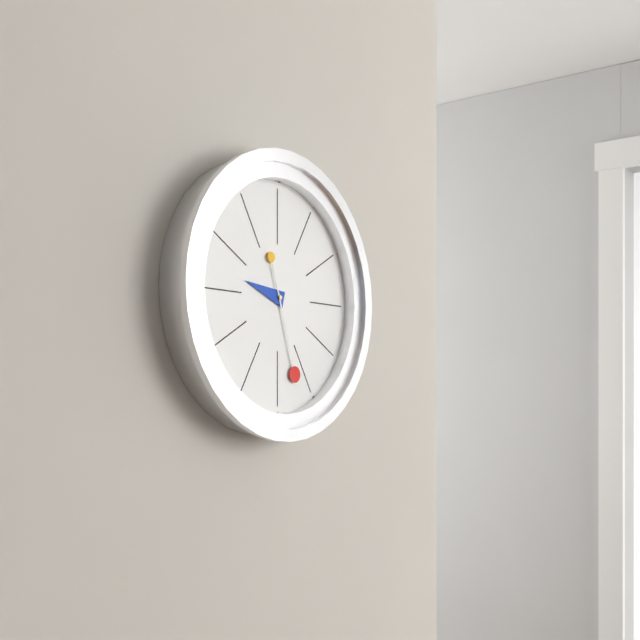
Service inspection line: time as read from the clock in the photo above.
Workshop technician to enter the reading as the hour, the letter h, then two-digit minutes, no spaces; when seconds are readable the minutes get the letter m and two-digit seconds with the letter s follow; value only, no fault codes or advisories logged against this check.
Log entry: 9h27
